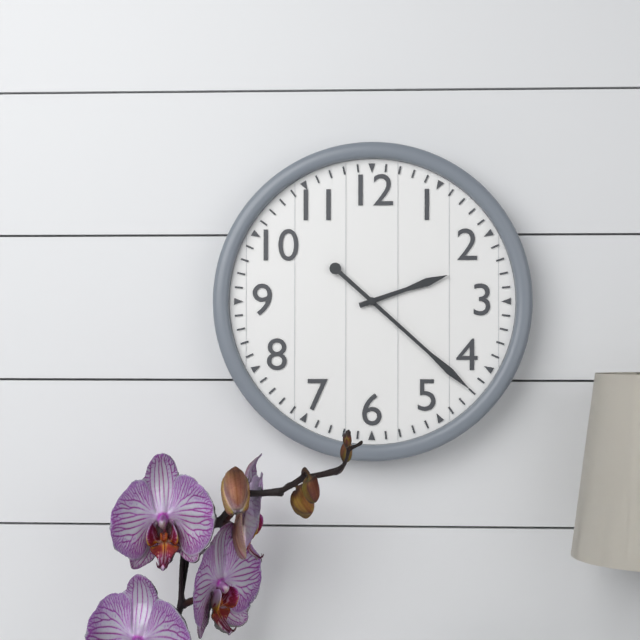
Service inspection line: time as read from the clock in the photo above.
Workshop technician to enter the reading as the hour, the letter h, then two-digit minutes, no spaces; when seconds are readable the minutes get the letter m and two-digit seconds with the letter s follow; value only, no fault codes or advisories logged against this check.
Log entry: 2h22
